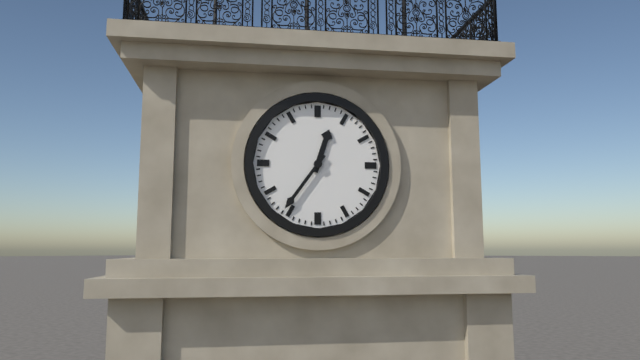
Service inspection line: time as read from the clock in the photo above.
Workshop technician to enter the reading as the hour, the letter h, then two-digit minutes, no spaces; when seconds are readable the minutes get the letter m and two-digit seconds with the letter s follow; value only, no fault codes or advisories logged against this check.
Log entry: 12h36
